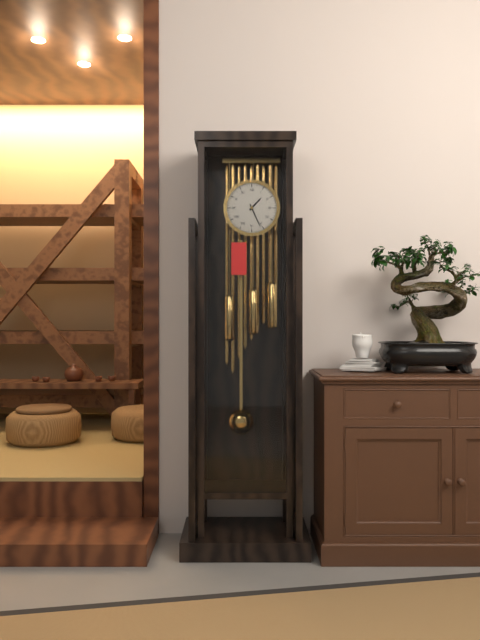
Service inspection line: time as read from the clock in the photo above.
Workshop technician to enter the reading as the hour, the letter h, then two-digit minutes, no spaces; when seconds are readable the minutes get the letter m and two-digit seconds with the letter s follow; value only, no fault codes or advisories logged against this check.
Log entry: 1h26
